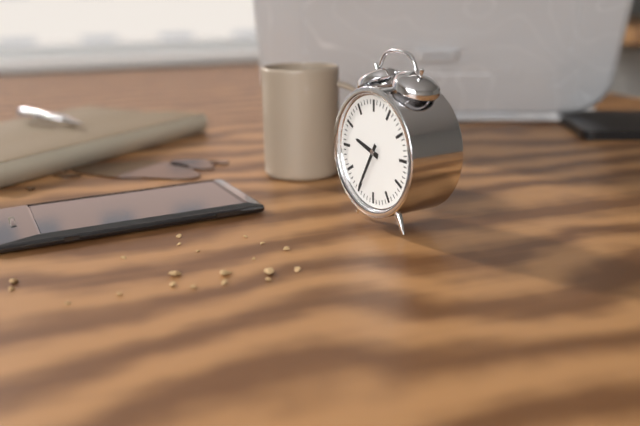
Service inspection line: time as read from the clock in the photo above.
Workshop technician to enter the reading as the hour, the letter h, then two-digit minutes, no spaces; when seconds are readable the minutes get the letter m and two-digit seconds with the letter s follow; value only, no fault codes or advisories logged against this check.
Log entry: 9h35
